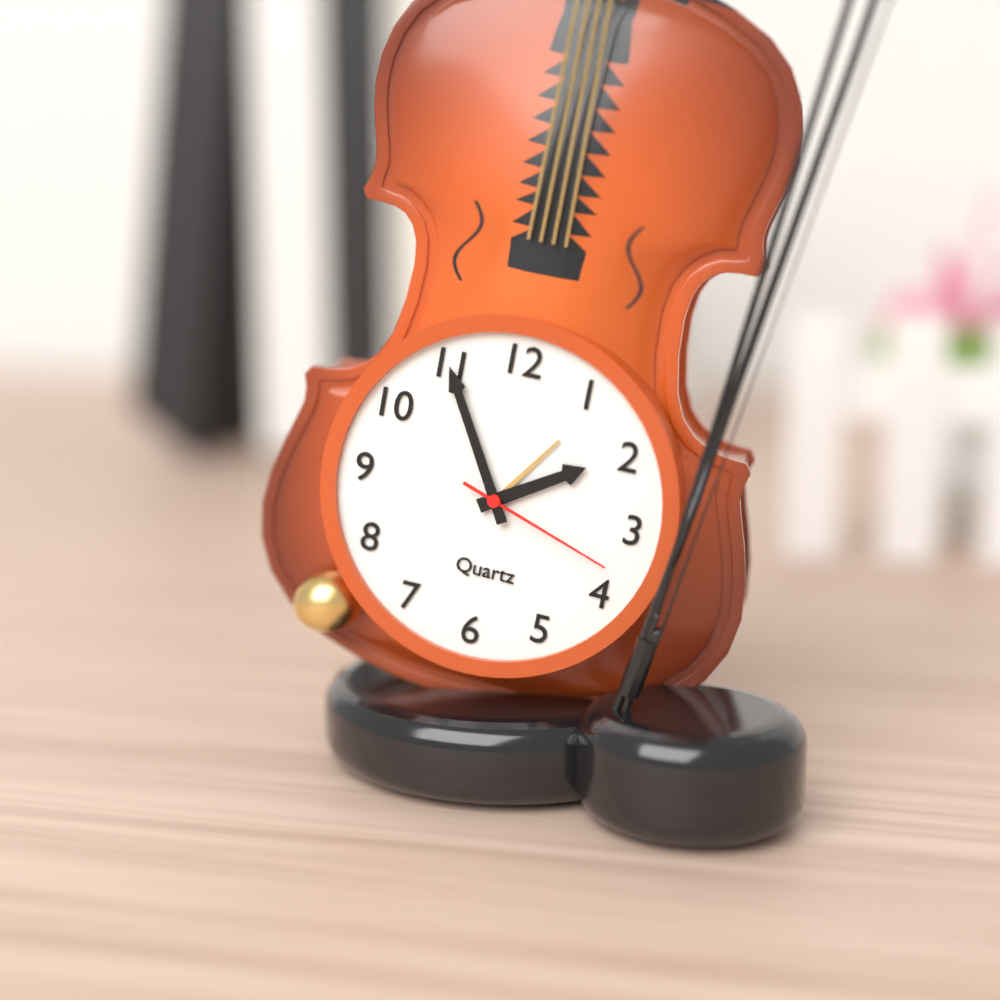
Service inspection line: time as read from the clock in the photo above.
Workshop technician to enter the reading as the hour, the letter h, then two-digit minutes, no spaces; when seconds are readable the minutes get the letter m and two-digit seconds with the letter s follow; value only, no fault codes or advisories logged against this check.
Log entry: 1h55m18s
